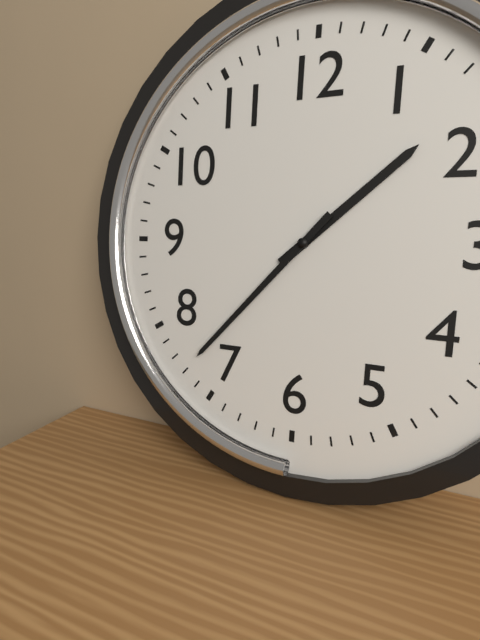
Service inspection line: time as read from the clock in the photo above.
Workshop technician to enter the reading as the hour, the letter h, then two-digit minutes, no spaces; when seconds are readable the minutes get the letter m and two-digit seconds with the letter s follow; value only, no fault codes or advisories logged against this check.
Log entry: 1h37
